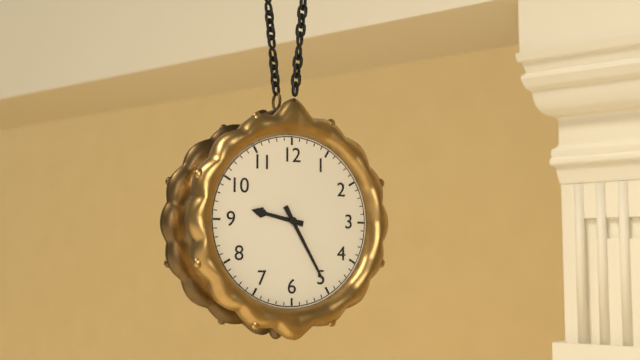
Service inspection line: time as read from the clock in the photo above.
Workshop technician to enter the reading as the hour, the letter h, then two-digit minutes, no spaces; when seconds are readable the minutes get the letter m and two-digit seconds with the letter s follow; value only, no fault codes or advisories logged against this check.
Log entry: 9h25
